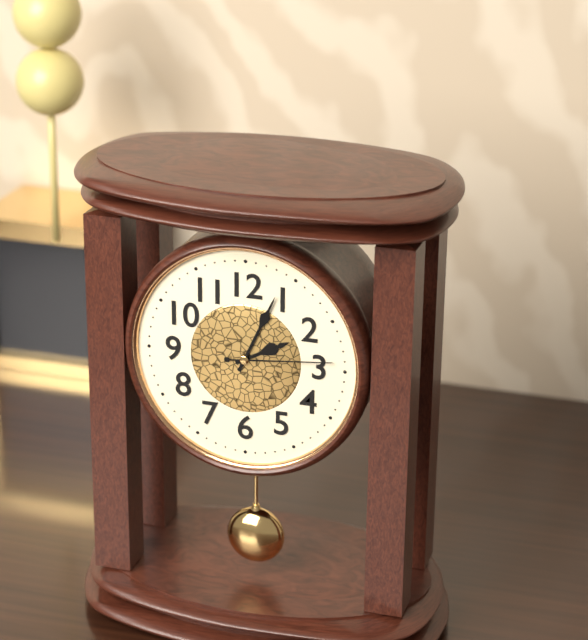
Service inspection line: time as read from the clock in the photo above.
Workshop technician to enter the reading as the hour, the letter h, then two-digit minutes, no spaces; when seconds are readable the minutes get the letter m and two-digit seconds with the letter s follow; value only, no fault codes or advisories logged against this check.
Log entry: 2h04m14s
